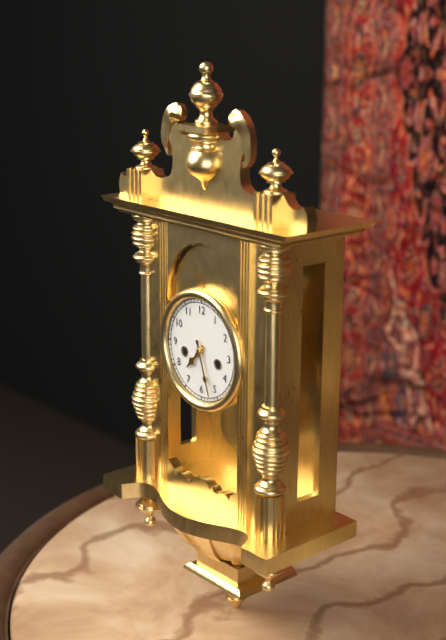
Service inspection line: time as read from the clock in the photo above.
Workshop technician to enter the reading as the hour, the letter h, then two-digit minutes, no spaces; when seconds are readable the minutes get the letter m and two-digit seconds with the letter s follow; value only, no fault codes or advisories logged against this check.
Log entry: 7h27
